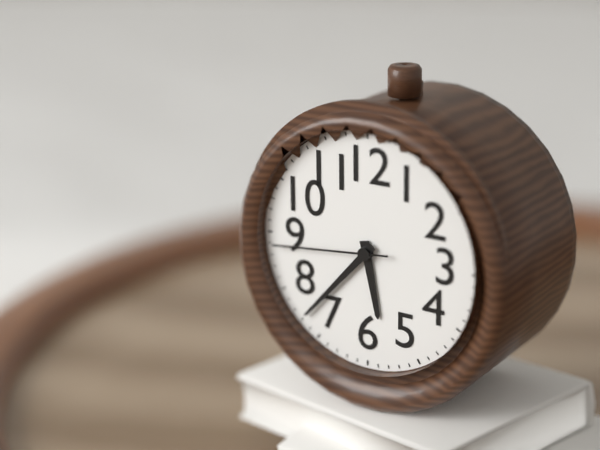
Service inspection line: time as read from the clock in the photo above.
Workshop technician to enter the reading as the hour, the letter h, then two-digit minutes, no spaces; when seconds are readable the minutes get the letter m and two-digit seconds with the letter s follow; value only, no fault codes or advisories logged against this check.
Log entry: 5h37m44s
